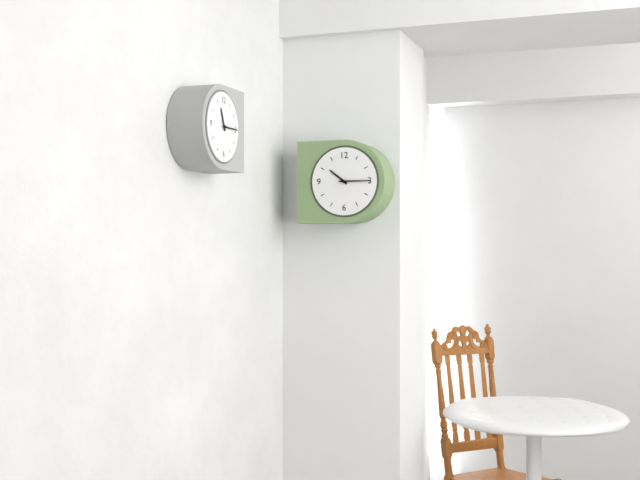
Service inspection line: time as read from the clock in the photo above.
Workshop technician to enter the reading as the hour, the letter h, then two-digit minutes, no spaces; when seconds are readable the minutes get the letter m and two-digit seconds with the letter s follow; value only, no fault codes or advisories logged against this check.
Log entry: 10h15
